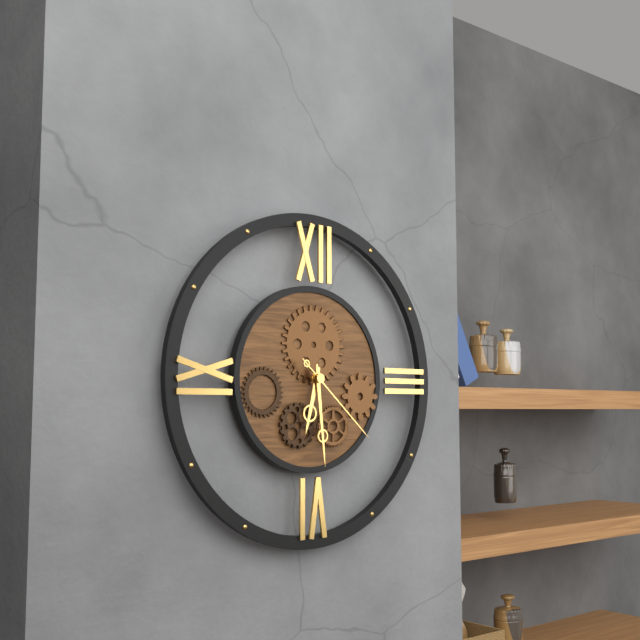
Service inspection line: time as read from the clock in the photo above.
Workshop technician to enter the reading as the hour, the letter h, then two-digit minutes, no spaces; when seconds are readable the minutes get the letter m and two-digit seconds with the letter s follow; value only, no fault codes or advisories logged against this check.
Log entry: 6h29m22s
